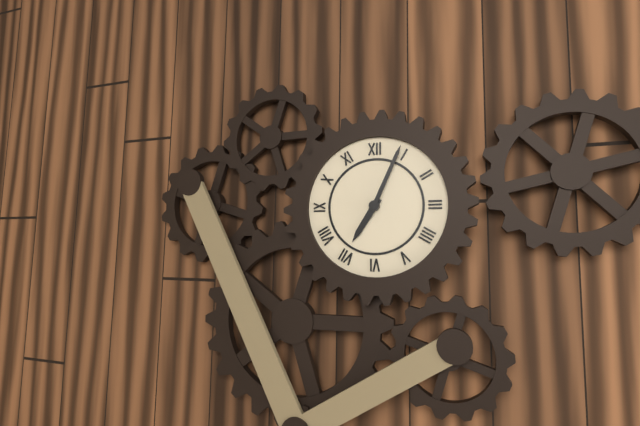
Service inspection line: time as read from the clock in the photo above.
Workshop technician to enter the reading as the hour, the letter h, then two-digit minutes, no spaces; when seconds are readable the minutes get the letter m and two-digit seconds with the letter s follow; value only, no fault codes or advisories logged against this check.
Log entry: 7h04
